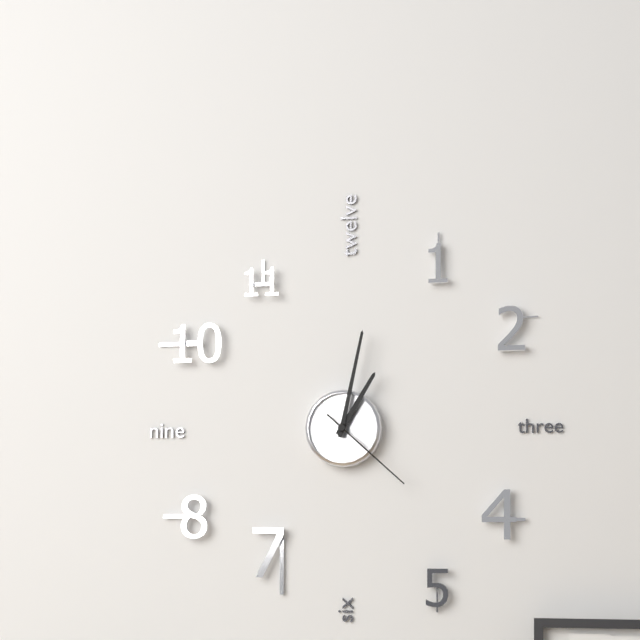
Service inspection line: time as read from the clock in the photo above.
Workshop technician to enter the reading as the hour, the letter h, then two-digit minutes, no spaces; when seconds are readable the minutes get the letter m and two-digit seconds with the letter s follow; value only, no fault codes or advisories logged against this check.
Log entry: 1h02m22s
